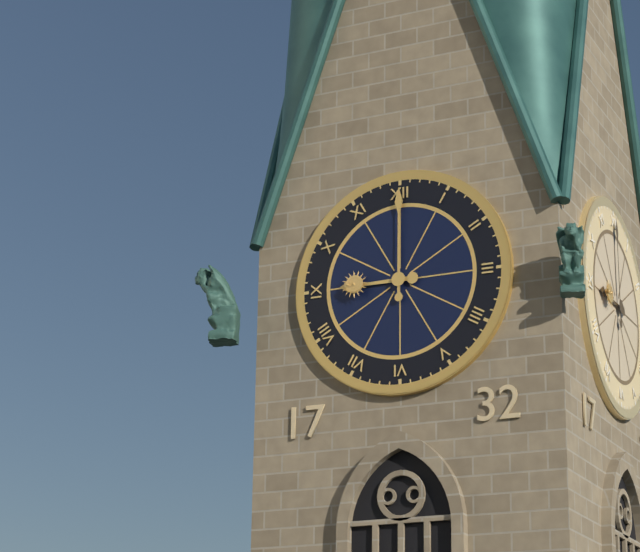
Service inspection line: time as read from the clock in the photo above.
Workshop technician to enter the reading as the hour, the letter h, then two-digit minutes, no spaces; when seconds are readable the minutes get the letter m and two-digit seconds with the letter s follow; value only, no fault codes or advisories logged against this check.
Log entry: 9h00
